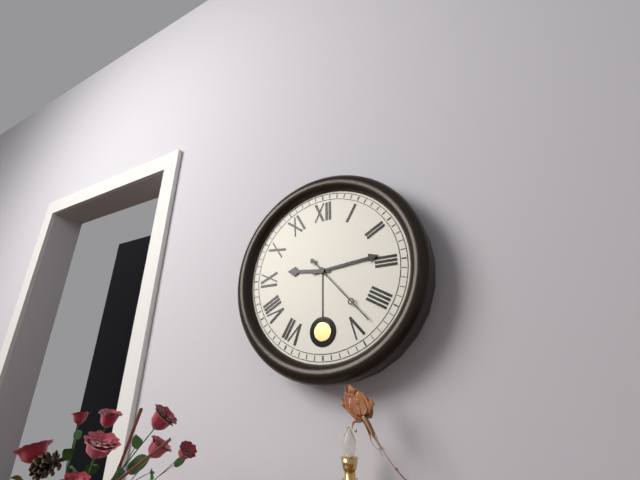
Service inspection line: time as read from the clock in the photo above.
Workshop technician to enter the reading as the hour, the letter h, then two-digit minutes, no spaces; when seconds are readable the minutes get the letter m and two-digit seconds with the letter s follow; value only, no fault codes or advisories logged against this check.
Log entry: 9h14m23s
